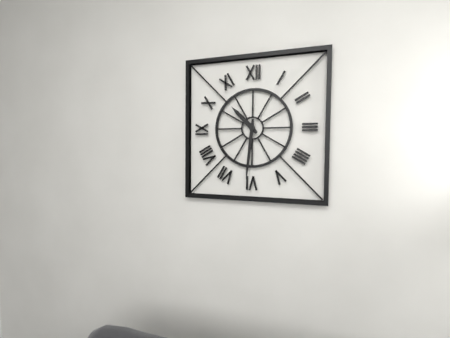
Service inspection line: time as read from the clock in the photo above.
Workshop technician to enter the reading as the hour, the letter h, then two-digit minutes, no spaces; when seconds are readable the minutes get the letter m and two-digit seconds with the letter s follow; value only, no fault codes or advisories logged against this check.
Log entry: 10h31
